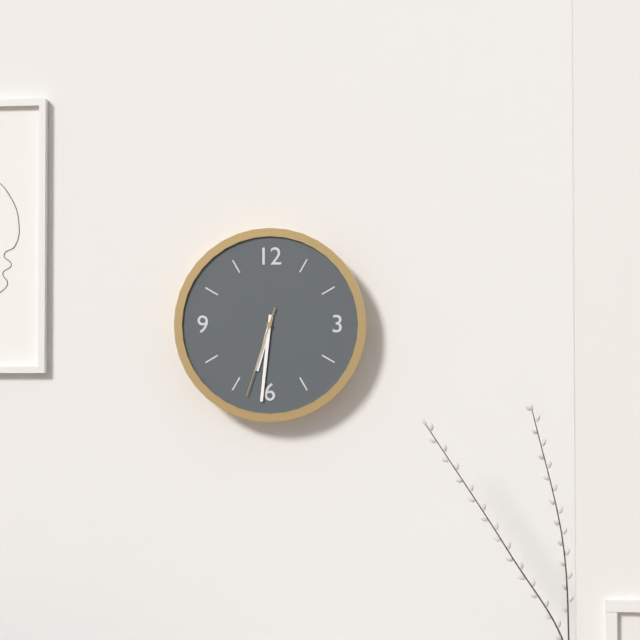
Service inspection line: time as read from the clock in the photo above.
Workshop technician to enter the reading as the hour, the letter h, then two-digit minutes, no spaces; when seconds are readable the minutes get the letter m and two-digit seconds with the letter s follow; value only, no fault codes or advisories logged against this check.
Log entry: 6h31m33s
